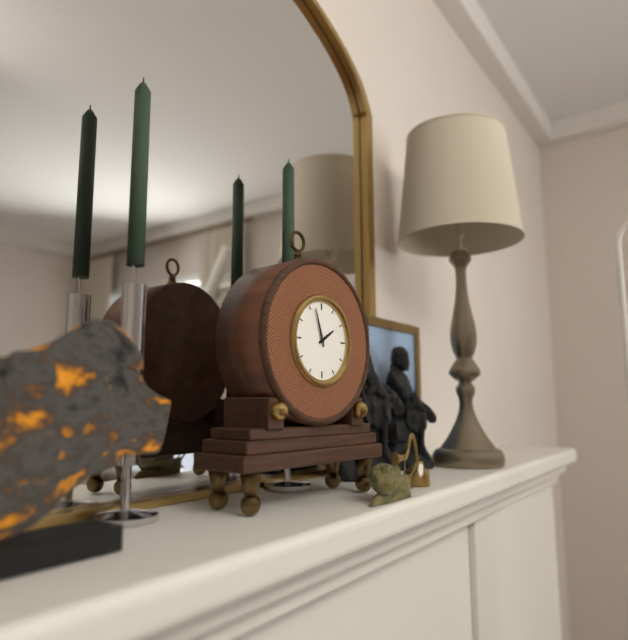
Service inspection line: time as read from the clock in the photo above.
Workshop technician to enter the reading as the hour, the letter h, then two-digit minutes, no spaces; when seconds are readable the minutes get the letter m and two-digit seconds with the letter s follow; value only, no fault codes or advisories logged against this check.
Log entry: 1h57
